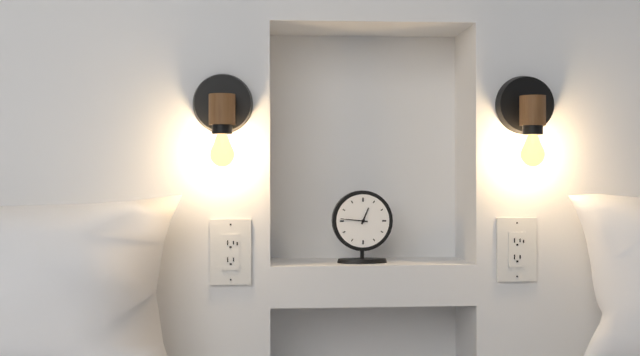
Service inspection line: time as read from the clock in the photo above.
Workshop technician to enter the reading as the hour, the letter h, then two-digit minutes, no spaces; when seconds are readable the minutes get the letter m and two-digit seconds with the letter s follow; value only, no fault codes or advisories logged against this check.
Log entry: 12h46
